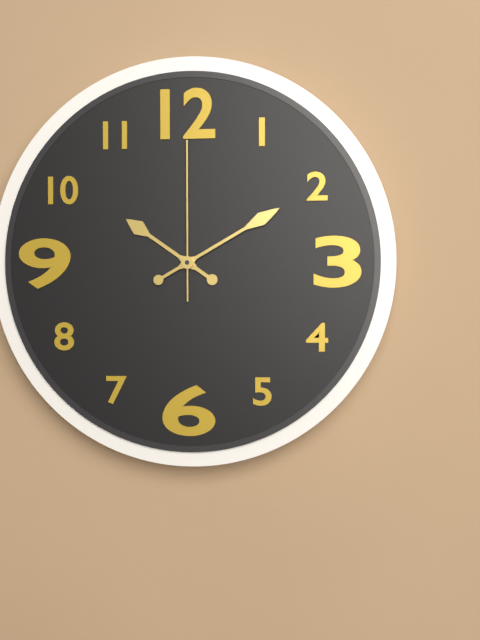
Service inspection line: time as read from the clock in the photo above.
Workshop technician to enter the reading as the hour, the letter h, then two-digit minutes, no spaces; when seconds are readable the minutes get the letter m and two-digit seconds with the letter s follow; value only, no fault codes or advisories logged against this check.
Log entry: 10h10m00s
